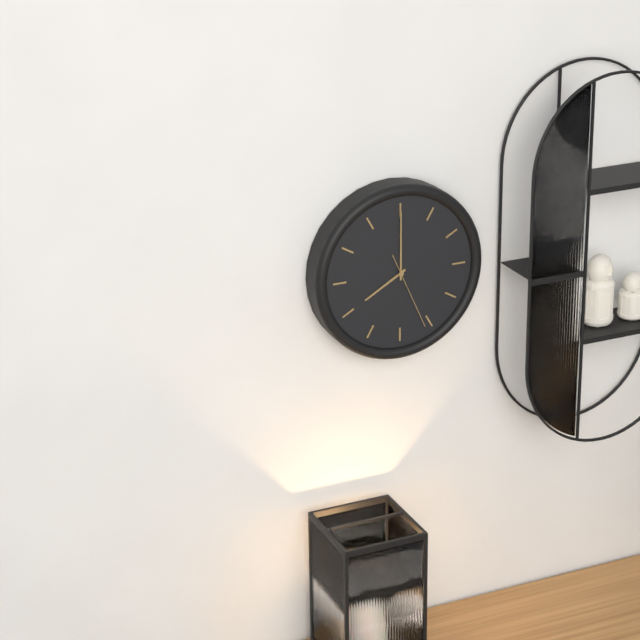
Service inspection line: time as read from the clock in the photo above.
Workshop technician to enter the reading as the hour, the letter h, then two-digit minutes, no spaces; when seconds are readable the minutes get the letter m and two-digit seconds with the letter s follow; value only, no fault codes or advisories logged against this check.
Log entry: 8h00m26s
